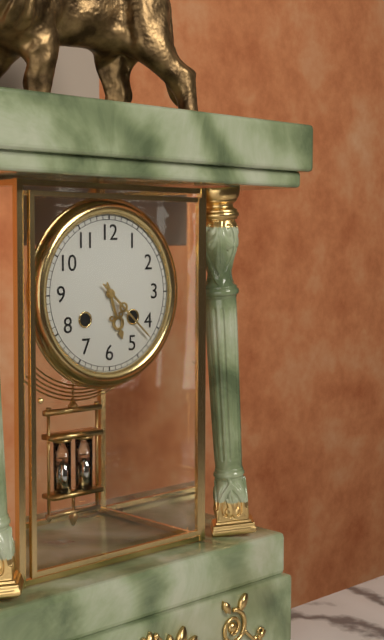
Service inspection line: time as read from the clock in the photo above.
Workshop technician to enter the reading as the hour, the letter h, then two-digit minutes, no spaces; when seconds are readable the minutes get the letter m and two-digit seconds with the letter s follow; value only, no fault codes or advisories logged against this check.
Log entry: 5h22
